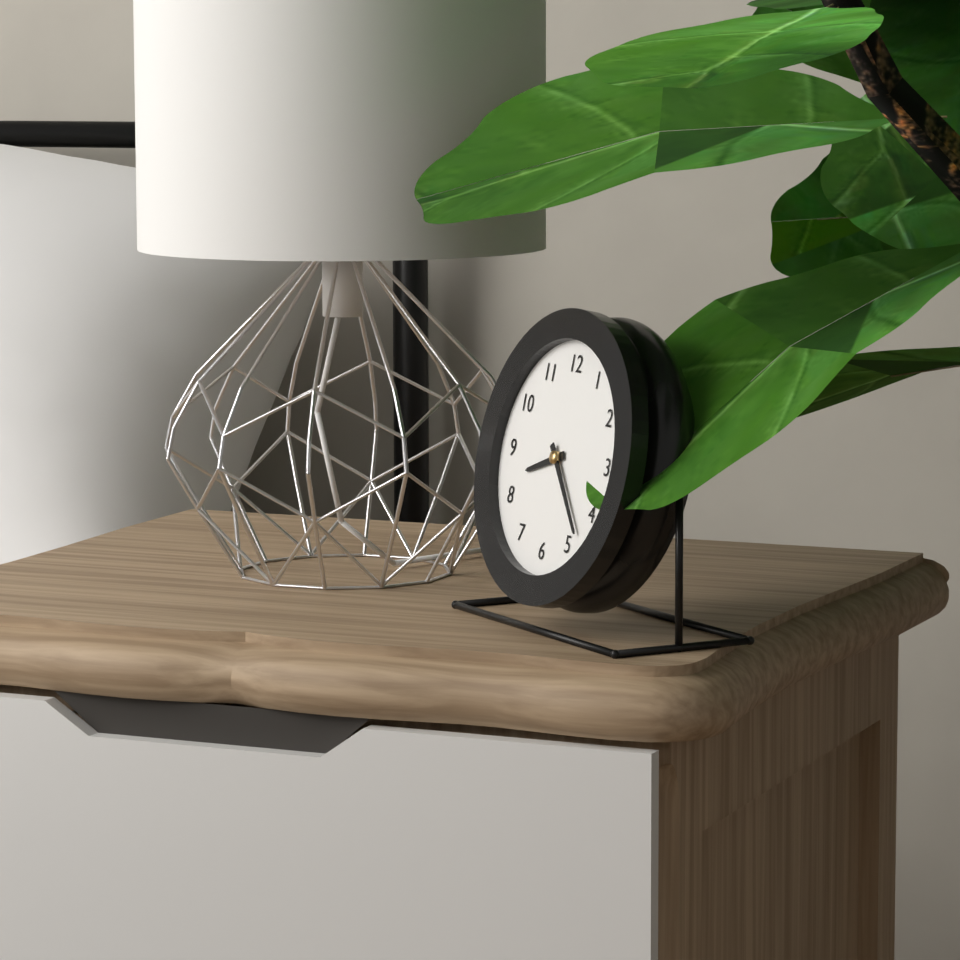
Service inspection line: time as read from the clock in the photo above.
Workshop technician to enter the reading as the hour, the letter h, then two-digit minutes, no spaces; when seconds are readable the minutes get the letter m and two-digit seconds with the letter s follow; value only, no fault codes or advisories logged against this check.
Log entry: 8h23
